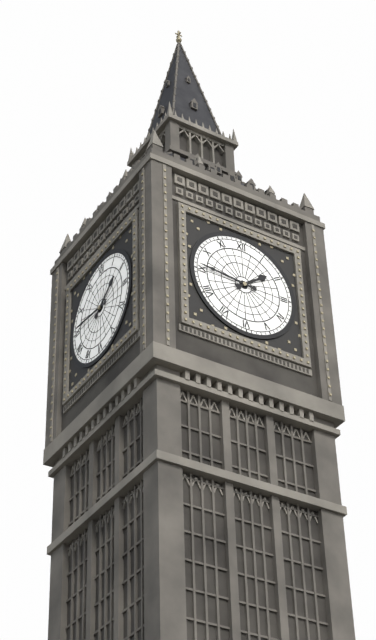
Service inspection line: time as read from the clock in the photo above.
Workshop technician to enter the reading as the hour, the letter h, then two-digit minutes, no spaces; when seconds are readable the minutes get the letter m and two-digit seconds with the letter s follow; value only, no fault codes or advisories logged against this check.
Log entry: 1h46
